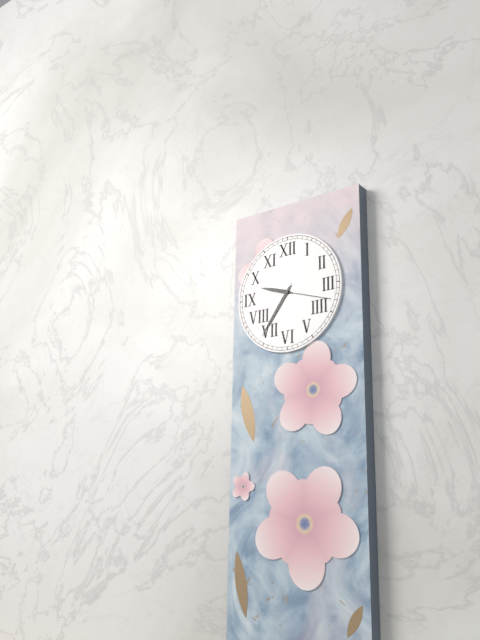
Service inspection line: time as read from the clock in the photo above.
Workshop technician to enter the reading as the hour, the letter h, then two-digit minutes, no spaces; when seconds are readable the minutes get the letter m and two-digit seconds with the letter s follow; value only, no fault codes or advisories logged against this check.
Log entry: 9h36m18s
